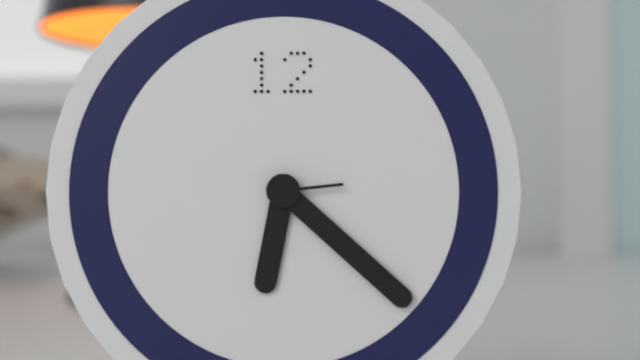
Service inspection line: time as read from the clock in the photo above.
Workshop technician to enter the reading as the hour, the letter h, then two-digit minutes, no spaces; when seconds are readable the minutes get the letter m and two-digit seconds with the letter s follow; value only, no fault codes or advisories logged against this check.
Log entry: 6h22m14s
